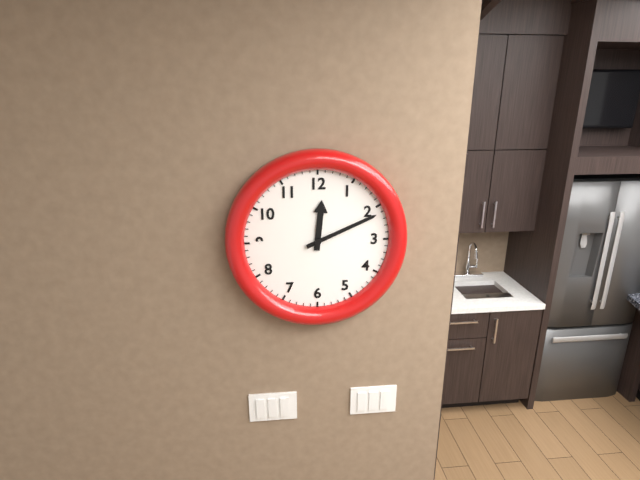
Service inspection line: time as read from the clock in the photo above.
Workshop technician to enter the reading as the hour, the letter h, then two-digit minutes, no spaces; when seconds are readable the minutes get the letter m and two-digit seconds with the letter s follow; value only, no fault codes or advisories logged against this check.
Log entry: 12h11
